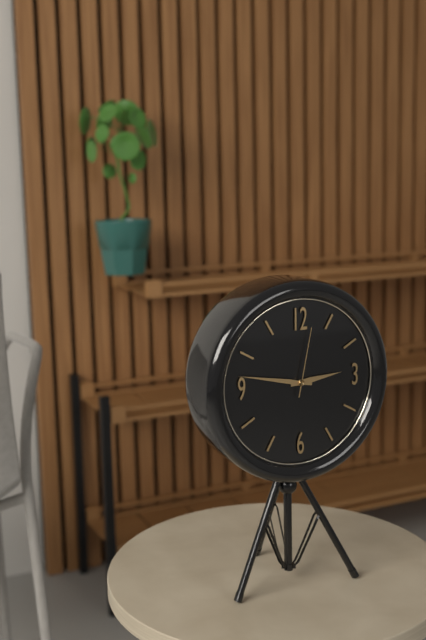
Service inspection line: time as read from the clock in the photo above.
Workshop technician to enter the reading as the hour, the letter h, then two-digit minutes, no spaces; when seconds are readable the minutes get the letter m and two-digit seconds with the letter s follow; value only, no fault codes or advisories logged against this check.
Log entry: 2h47m02s
